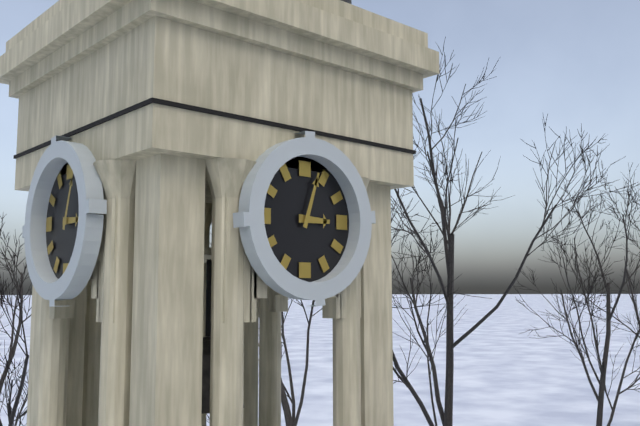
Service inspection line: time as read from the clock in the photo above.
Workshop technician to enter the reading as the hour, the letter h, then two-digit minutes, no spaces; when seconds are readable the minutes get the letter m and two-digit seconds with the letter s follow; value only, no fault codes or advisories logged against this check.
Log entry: 3h03
